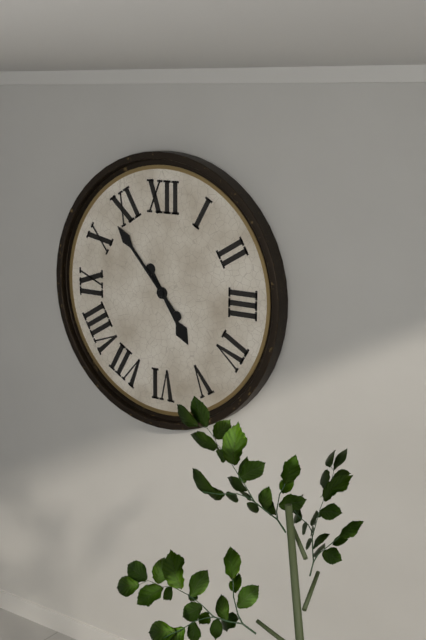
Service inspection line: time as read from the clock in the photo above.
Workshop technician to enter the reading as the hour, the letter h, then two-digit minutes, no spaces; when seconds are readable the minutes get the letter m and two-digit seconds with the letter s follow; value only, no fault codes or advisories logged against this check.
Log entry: 4h53
